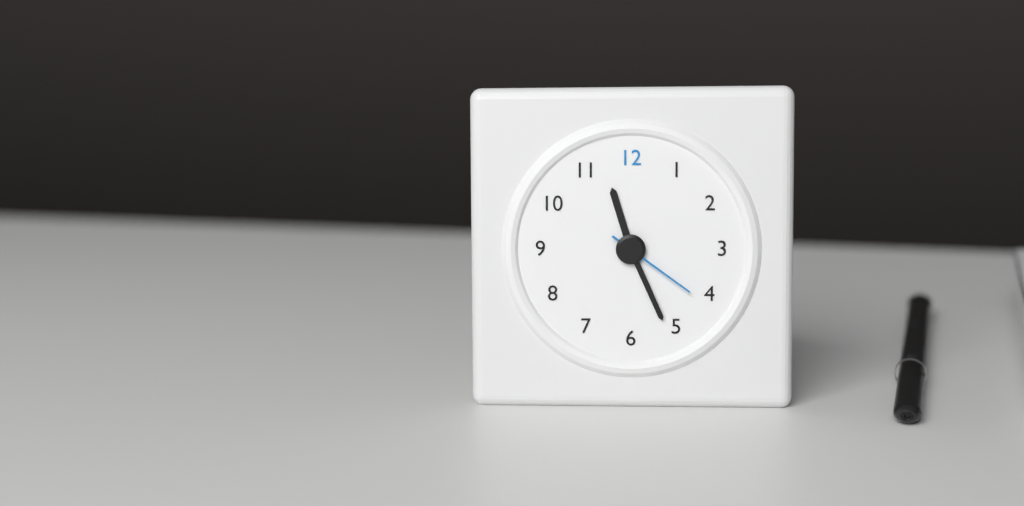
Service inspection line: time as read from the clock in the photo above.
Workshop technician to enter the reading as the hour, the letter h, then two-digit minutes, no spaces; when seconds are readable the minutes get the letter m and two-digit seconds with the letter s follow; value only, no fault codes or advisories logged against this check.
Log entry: 11h26m21s
